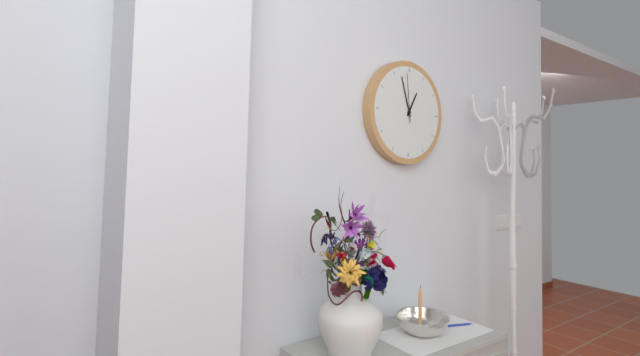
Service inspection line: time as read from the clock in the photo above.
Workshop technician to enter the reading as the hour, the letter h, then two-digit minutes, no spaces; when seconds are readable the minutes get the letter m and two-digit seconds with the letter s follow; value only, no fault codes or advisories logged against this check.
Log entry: 12h57m59s
